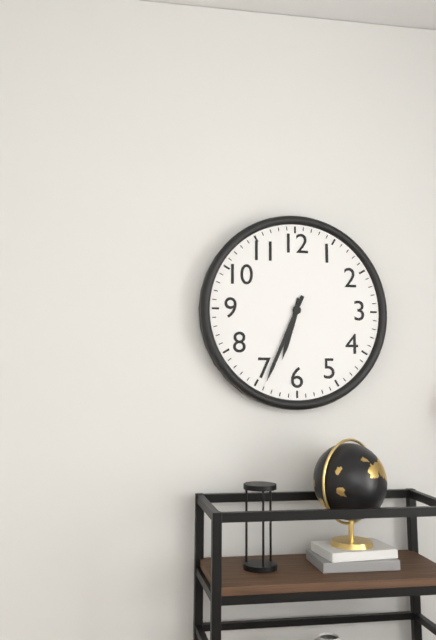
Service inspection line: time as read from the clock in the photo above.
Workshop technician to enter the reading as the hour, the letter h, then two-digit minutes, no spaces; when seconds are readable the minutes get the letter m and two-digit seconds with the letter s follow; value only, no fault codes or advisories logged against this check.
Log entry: 6h34
